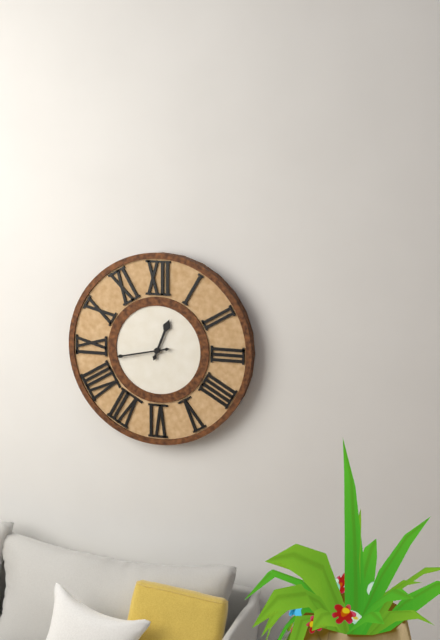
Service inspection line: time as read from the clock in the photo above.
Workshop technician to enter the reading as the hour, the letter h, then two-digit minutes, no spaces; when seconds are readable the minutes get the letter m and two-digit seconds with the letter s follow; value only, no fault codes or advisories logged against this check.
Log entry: 12h43
